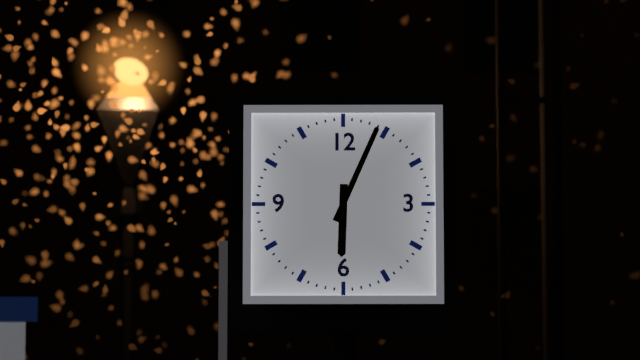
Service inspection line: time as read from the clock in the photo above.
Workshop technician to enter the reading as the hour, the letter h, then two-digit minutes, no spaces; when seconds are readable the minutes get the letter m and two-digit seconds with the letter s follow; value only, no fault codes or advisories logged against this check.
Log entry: 6h04
